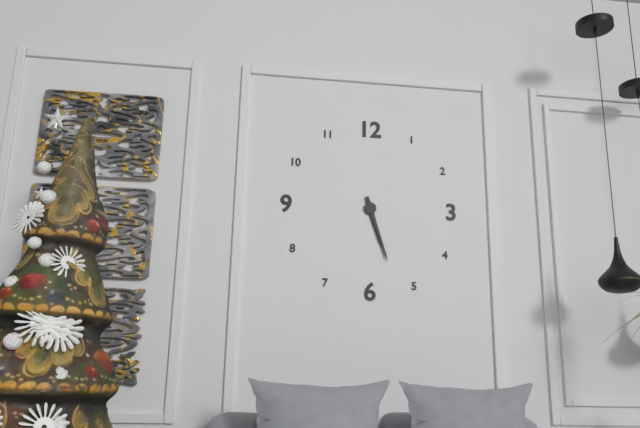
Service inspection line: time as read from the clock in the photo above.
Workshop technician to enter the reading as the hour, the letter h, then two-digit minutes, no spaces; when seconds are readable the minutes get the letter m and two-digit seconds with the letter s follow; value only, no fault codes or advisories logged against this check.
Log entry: 5h27
